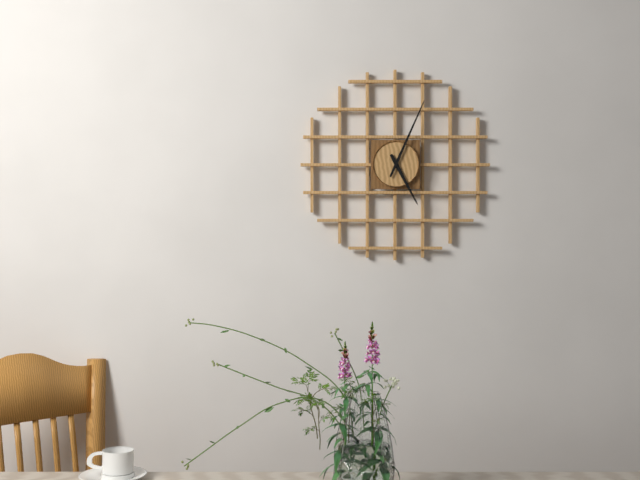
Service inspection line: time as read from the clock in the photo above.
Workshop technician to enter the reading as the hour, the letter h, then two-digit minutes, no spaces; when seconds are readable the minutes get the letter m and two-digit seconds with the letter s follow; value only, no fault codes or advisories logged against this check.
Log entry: 5h04
